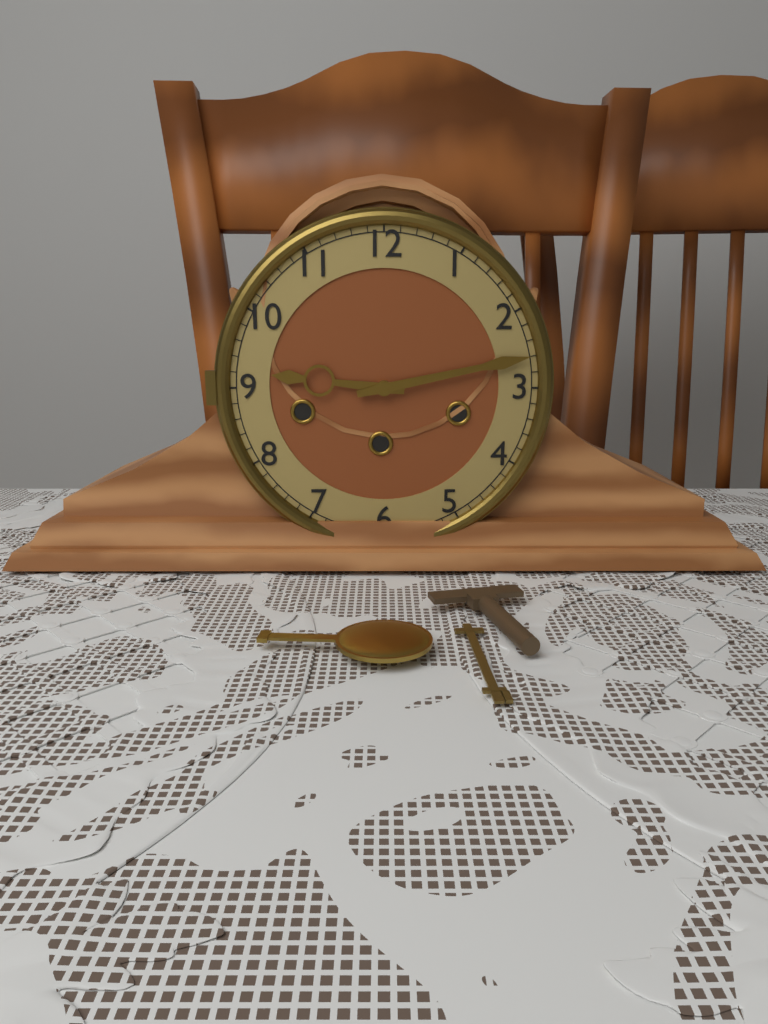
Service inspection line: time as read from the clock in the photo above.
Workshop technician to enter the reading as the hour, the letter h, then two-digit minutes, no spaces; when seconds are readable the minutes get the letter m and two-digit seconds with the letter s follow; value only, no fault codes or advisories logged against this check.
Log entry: 9h13
